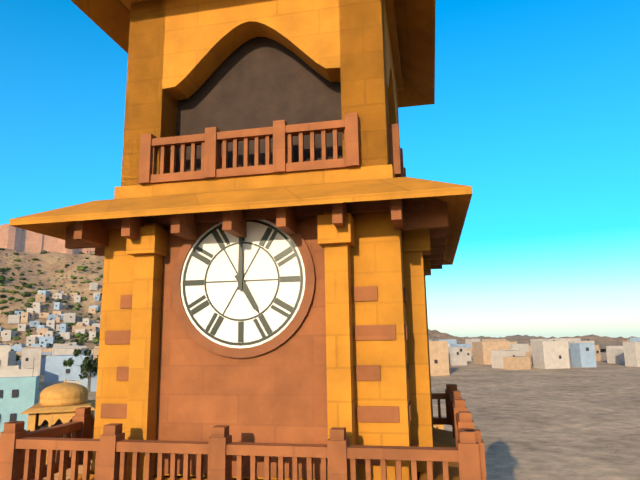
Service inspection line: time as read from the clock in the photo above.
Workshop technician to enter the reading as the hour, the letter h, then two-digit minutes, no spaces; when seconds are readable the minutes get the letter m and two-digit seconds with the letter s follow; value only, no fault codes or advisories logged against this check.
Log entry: 5h00
